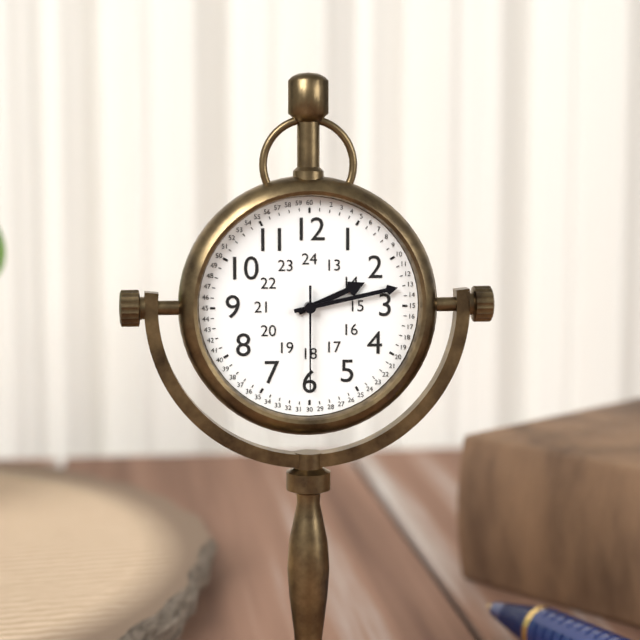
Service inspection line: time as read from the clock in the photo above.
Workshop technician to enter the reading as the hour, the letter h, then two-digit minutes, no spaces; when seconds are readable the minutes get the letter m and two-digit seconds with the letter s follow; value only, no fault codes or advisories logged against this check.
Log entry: 2h13m30s
